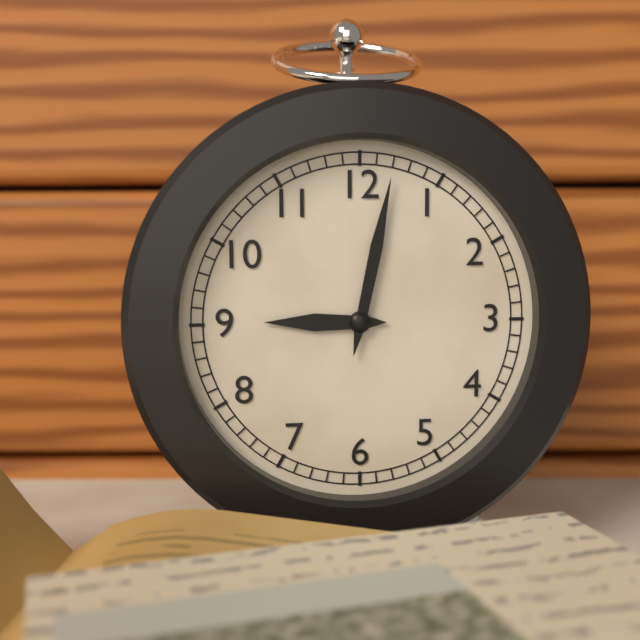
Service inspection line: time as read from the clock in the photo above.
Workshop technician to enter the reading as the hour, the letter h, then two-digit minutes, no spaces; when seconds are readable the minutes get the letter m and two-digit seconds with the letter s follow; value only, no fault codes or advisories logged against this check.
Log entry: 9h02
